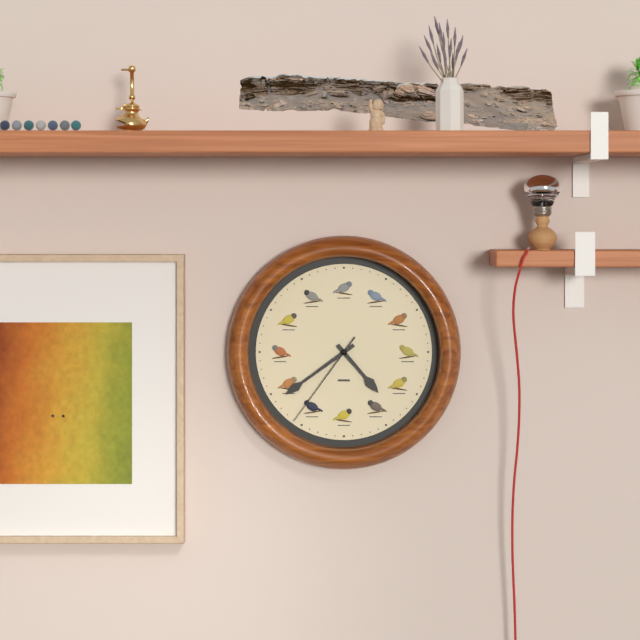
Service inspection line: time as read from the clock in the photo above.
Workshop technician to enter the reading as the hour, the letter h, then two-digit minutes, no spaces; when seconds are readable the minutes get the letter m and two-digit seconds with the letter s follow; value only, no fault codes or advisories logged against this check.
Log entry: 4h39m36s
